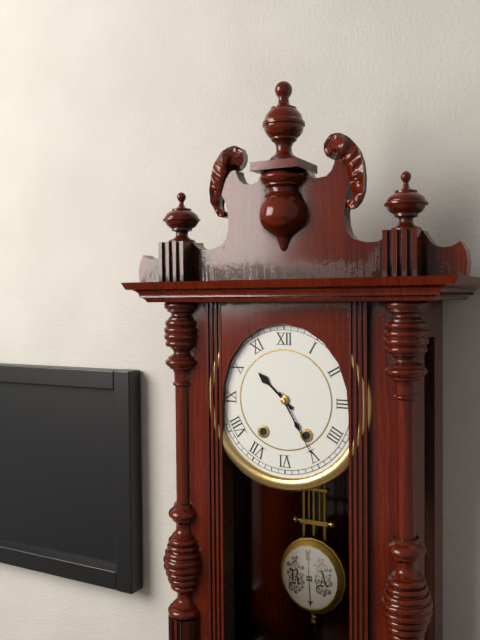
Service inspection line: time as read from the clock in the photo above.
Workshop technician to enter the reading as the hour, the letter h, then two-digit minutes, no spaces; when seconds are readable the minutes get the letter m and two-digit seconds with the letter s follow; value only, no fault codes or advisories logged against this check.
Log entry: 10h25
